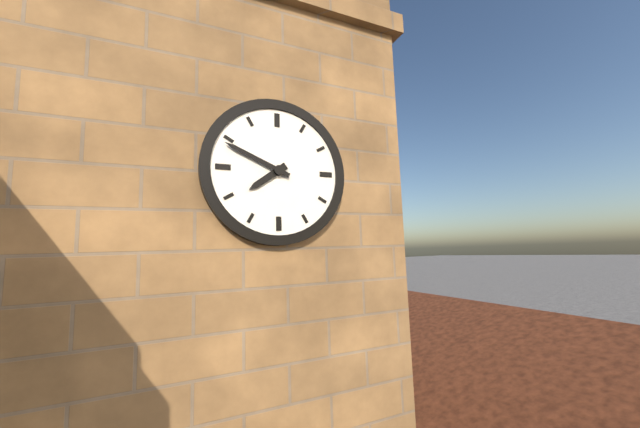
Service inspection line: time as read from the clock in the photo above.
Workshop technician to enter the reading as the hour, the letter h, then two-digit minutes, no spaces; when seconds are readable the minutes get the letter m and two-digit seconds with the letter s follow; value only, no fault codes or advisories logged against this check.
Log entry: 7h49
